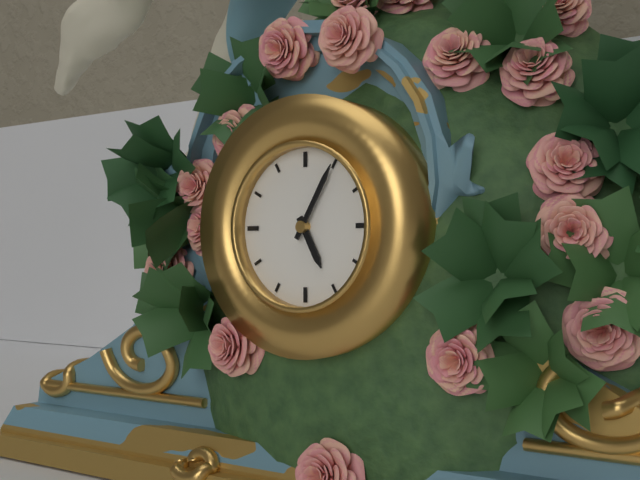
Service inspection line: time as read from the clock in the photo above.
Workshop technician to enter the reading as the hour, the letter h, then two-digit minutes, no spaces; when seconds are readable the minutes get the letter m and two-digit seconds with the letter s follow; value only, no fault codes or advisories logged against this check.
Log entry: 5h05
